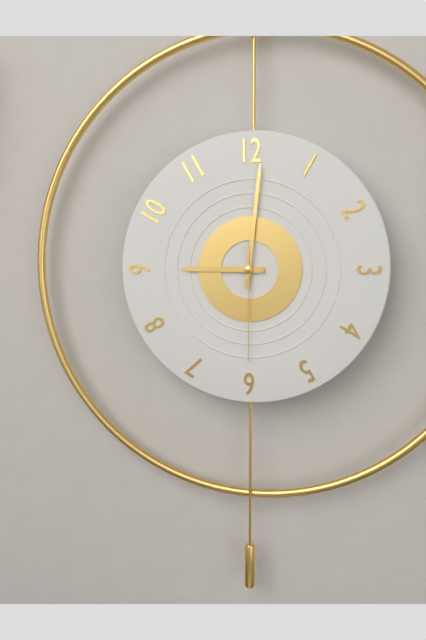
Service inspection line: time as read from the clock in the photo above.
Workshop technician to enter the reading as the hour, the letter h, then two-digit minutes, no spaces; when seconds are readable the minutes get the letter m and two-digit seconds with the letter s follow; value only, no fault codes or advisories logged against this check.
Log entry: 9h01m30s
